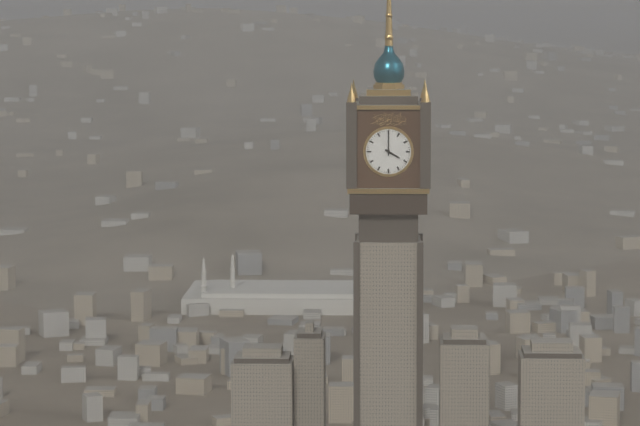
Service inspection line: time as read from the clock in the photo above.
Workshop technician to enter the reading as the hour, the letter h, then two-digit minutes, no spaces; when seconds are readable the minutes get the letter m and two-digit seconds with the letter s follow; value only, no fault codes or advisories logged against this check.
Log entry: 4h00
